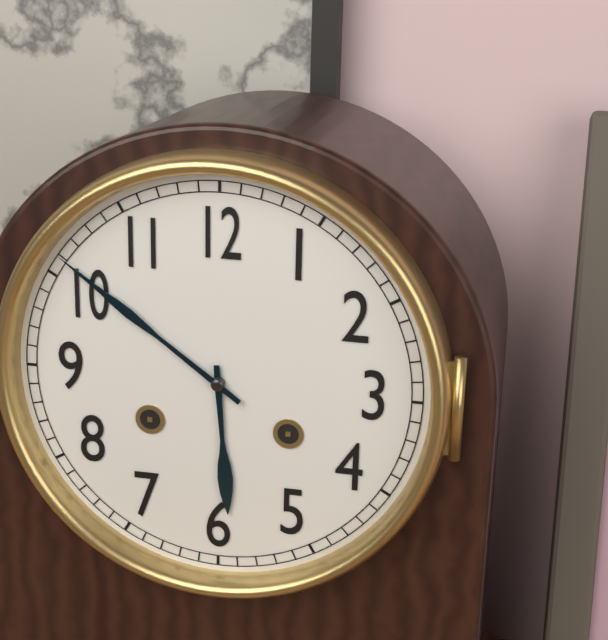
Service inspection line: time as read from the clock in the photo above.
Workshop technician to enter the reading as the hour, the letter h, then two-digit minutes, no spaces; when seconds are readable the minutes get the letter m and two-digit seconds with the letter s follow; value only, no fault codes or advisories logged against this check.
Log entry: 5h51
